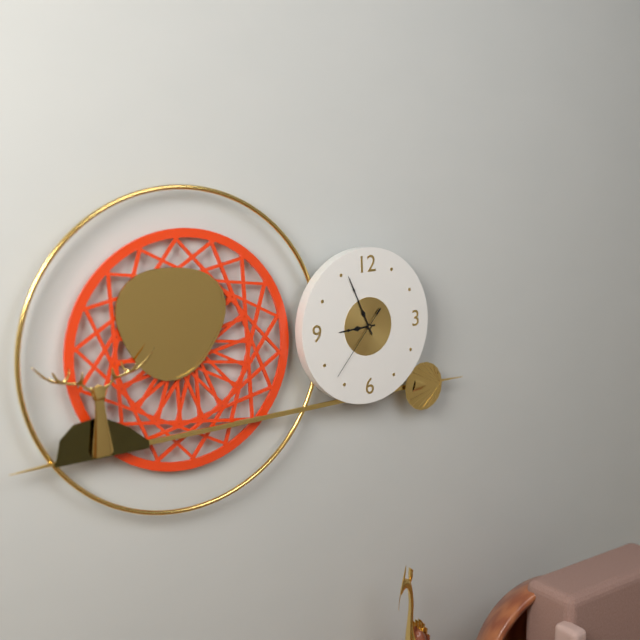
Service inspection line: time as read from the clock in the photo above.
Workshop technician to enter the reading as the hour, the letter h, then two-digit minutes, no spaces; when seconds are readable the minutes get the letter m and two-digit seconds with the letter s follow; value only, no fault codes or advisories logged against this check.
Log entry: 8h56m37s
